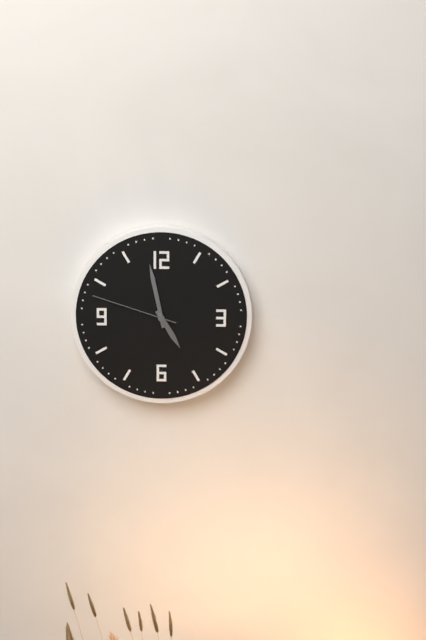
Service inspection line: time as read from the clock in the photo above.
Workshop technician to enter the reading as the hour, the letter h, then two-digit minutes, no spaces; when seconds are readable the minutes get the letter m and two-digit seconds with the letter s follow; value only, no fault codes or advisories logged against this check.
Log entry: 4h58m48s
